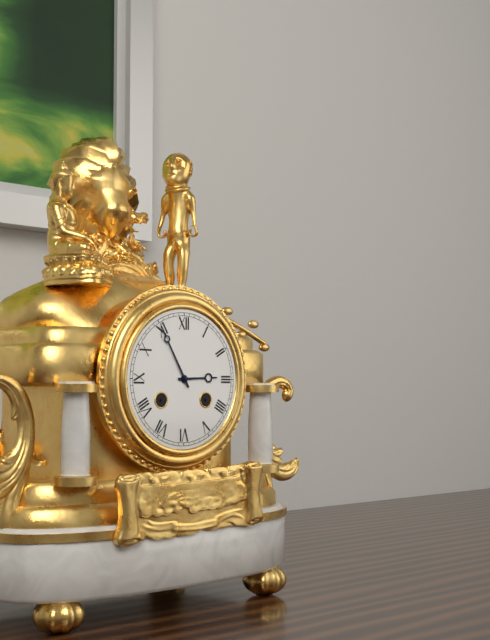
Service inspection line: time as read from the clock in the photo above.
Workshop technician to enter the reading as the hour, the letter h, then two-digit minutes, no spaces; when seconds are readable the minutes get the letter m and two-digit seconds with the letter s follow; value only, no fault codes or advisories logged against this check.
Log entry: 2h55
